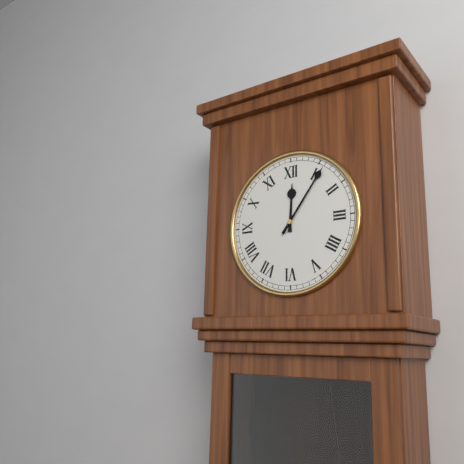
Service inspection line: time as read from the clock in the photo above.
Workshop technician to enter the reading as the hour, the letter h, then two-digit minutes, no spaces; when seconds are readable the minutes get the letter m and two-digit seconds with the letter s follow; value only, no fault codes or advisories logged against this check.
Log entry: 12h06
